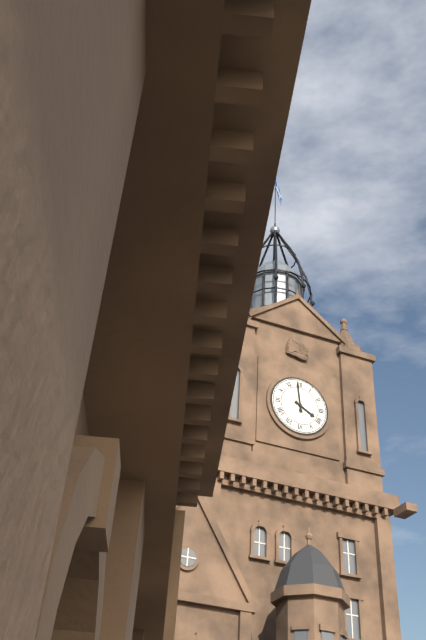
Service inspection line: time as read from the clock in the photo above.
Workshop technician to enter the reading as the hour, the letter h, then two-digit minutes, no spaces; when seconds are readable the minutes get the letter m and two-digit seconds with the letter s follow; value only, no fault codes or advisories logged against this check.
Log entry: 3h59
